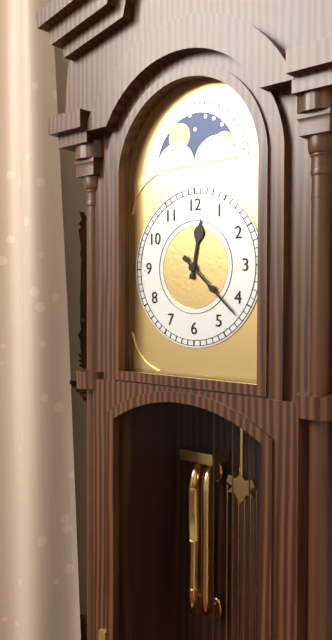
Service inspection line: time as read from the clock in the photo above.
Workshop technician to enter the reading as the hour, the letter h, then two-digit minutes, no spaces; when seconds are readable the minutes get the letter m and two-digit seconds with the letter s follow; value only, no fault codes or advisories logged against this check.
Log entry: 12h22
